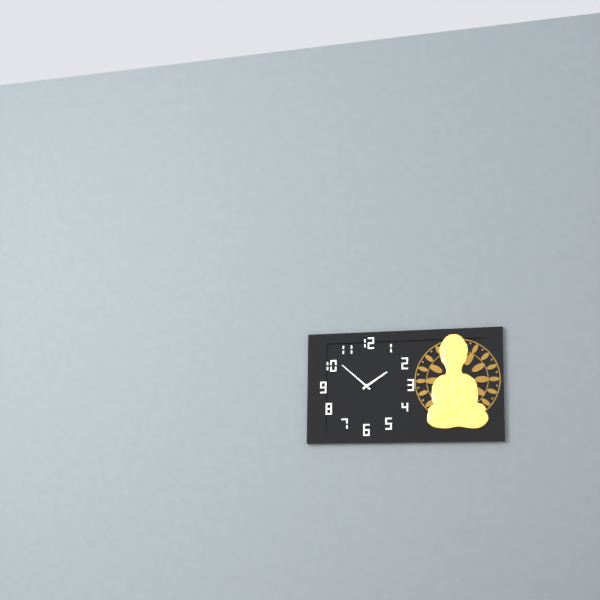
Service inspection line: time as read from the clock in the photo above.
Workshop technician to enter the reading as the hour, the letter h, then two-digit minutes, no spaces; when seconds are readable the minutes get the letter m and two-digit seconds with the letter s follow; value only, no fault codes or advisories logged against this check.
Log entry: 1h52
